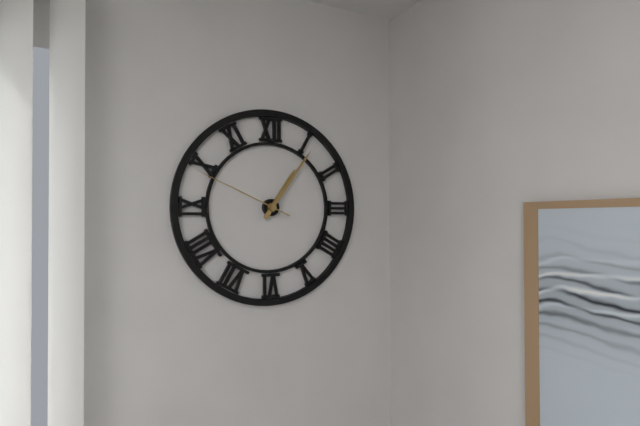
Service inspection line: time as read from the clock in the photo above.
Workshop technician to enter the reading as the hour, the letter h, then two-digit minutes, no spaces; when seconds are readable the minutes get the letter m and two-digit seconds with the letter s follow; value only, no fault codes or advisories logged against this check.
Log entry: 1h06m49s
